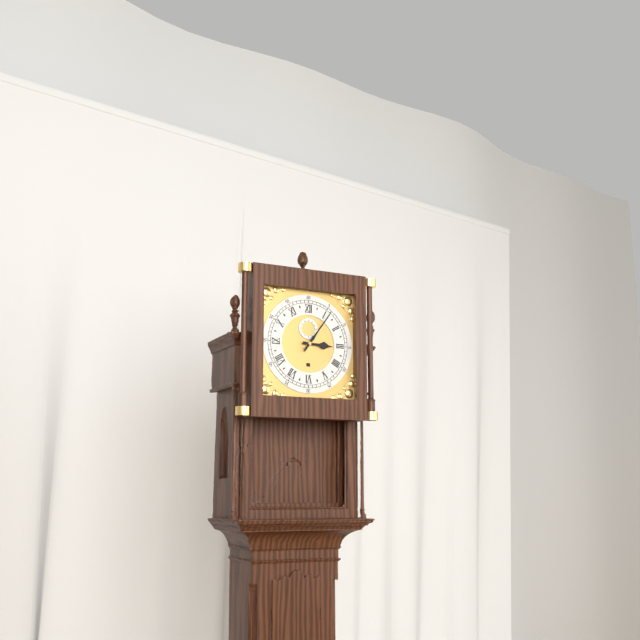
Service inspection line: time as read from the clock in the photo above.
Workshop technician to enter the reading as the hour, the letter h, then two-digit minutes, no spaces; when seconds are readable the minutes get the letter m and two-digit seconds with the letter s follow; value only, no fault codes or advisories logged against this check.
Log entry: 3h06
